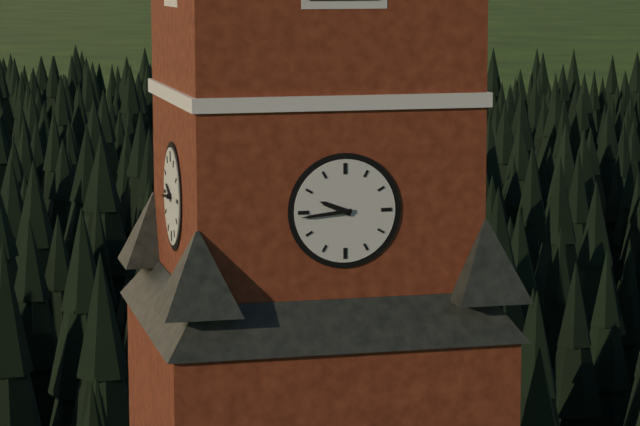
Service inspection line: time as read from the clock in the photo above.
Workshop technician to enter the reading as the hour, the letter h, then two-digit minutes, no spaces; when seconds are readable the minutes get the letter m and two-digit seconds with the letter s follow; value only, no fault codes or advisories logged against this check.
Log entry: 9h44
